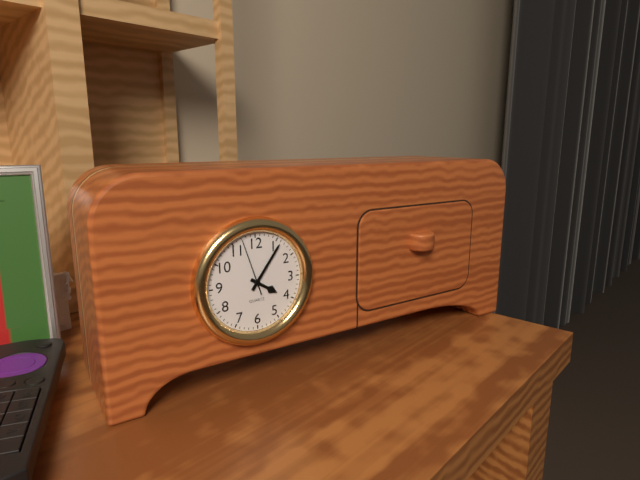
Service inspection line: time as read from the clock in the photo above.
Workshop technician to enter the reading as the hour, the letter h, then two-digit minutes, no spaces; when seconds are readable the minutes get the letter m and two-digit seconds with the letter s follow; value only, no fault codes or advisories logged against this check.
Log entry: 4h06m57s
